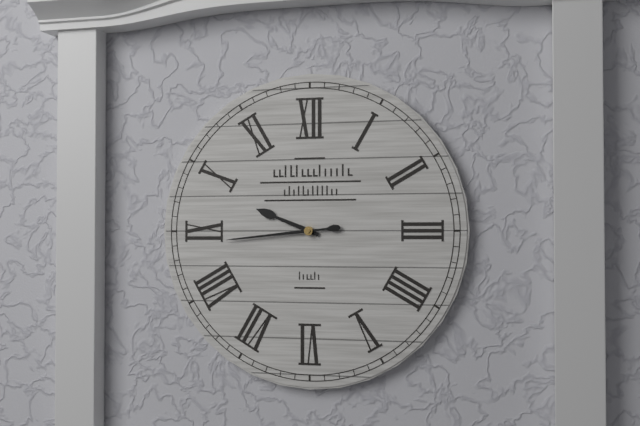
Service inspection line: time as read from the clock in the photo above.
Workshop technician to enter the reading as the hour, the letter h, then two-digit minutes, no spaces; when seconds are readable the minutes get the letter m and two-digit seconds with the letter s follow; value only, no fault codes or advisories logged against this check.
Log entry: 9h44
